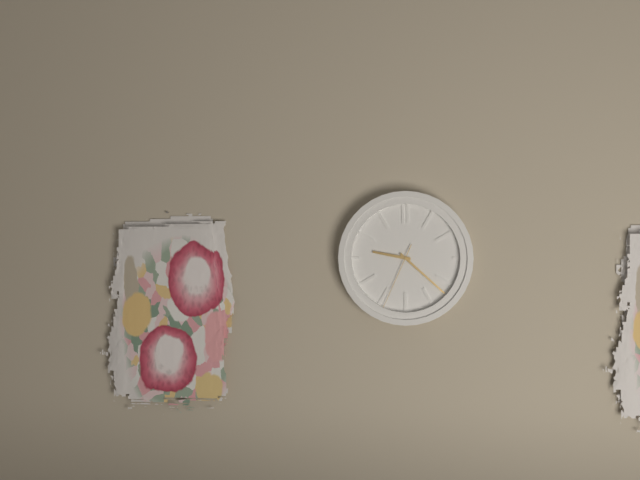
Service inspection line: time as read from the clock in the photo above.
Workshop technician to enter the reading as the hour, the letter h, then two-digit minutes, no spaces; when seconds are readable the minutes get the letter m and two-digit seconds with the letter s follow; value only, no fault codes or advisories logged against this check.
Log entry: 9h22m34s
